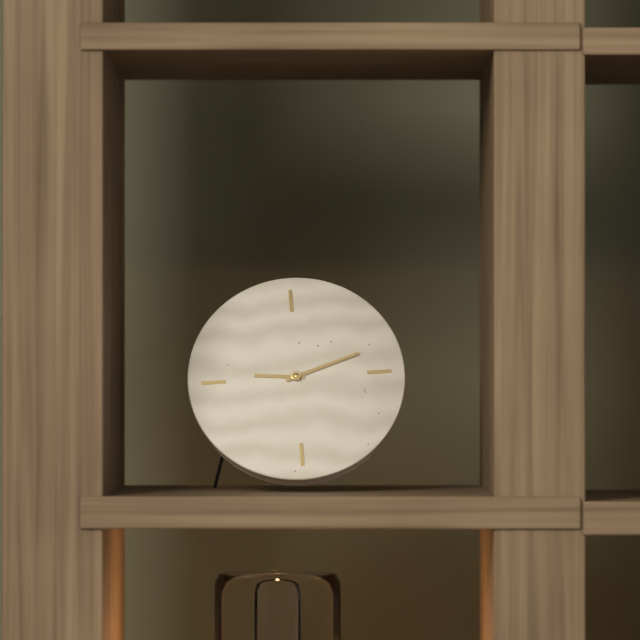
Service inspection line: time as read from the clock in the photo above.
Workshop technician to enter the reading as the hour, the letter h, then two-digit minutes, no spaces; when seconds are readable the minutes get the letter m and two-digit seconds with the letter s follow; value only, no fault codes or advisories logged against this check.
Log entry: 9h12
